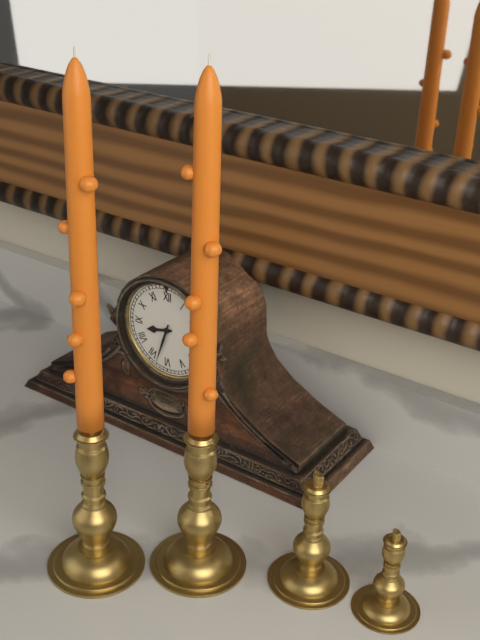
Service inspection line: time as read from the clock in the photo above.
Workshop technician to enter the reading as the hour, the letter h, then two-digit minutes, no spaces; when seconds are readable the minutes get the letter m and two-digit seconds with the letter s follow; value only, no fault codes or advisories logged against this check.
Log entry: 8h33
